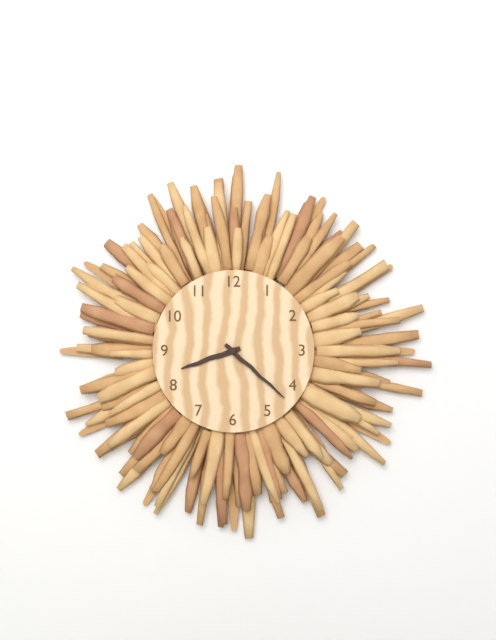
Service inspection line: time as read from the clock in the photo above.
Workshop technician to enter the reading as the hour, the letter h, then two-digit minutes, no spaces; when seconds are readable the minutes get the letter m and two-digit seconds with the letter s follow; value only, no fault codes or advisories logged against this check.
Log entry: 8h22
